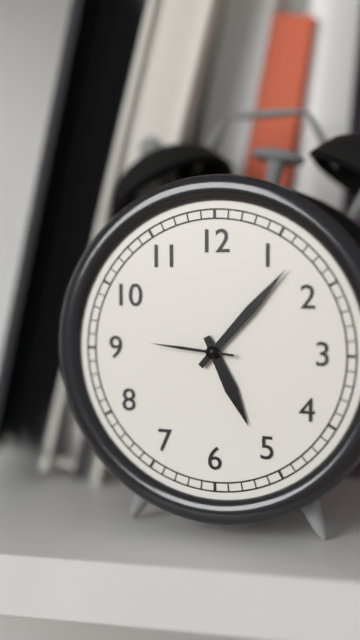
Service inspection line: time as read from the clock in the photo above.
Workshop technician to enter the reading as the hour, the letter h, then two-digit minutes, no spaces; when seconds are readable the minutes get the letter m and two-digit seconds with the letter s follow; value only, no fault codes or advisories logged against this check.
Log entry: 5h07m46s
